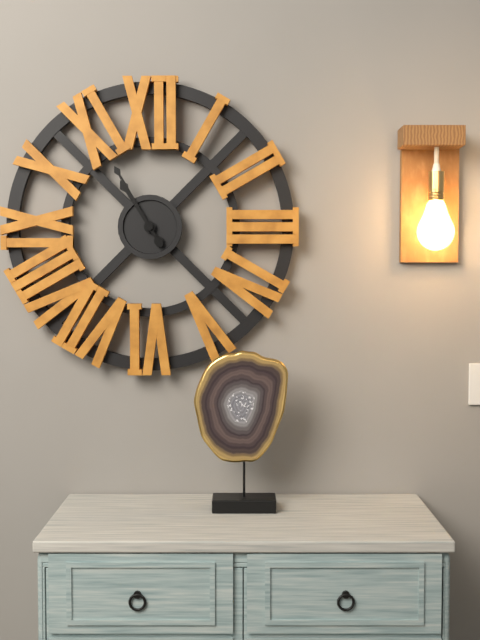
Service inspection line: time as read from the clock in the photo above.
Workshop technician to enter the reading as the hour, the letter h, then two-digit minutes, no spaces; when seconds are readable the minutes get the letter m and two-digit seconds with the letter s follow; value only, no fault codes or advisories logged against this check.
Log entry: 10h55
